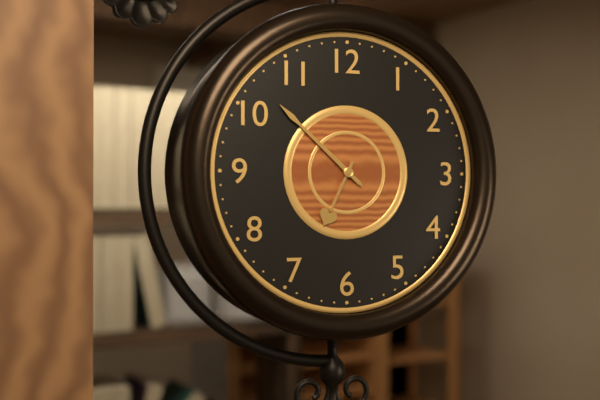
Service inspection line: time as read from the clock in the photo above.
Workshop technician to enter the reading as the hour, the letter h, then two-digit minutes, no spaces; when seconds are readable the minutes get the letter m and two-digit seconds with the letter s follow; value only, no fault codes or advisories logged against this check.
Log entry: 6h52
